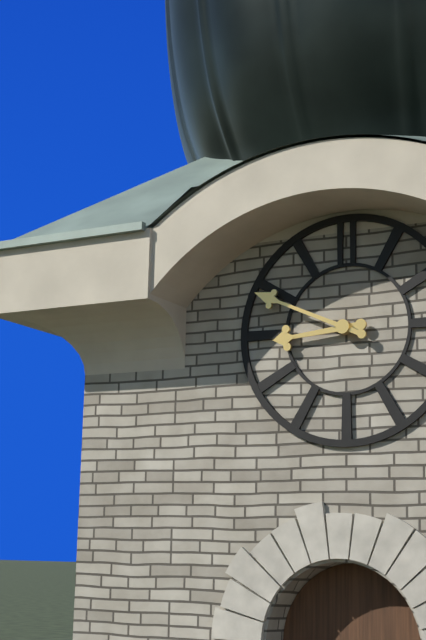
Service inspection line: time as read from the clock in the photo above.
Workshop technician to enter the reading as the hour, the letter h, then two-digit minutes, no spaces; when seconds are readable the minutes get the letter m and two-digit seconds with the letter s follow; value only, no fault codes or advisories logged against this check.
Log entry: 8h49
